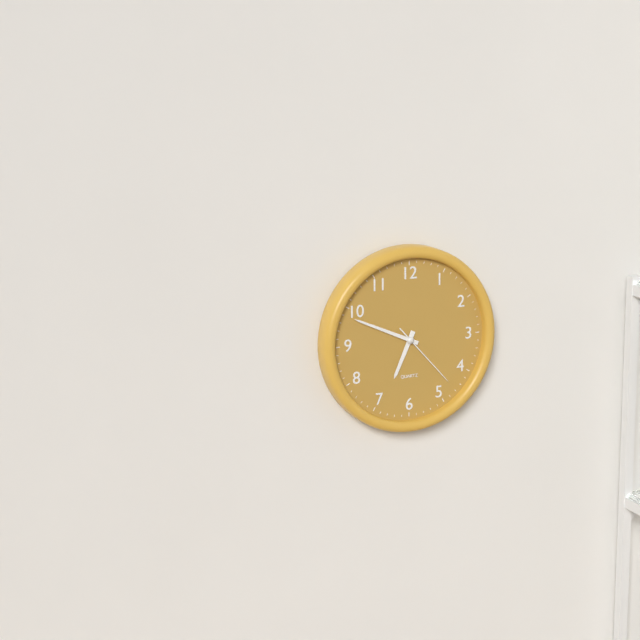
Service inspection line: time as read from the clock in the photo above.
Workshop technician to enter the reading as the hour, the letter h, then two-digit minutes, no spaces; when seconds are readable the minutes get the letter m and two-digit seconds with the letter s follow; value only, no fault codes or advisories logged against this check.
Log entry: 6h49m23s
